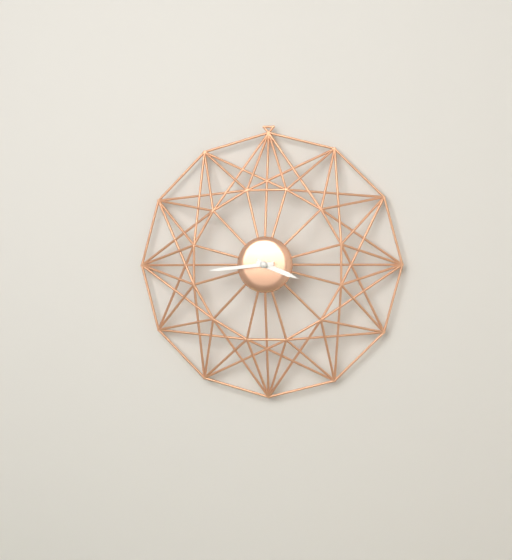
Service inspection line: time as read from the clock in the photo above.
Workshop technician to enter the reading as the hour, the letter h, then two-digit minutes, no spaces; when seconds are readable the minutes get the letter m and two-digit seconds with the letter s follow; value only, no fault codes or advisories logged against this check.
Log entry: 3h44
